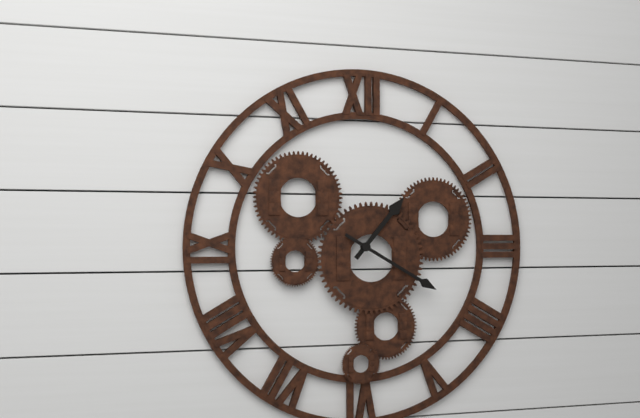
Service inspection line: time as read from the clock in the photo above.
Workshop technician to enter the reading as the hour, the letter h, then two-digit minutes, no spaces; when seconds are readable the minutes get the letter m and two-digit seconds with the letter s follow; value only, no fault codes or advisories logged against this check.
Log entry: 1h20
